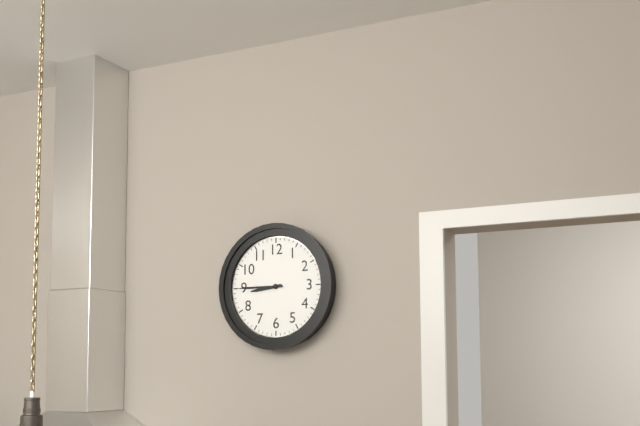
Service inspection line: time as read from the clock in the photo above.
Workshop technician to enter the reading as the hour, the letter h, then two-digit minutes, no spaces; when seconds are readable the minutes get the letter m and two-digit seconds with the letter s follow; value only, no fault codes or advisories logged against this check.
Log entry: 8h45
